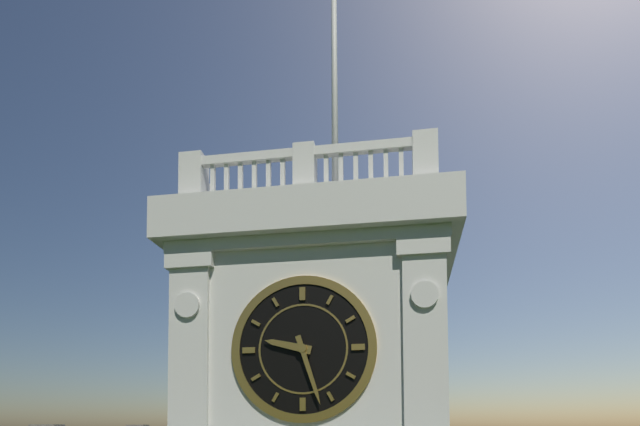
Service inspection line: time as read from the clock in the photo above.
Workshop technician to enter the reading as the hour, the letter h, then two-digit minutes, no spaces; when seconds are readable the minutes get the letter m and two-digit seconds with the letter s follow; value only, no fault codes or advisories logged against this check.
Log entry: 9h27
